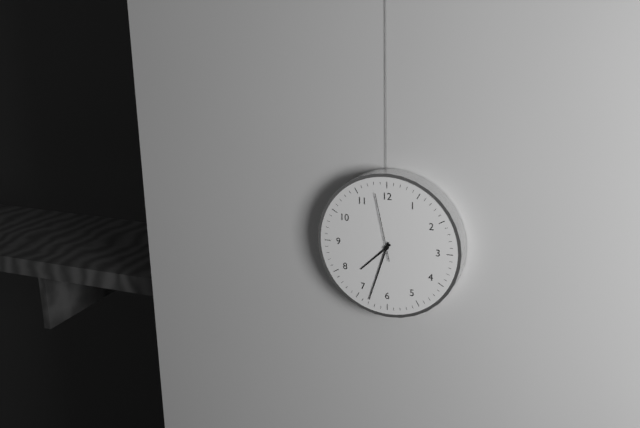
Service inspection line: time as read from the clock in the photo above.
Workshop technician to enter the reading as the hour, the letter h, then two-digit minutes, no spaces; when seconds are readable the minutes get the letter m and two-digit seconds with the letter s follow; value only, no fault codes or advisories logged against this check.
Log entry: 7h33m58s
